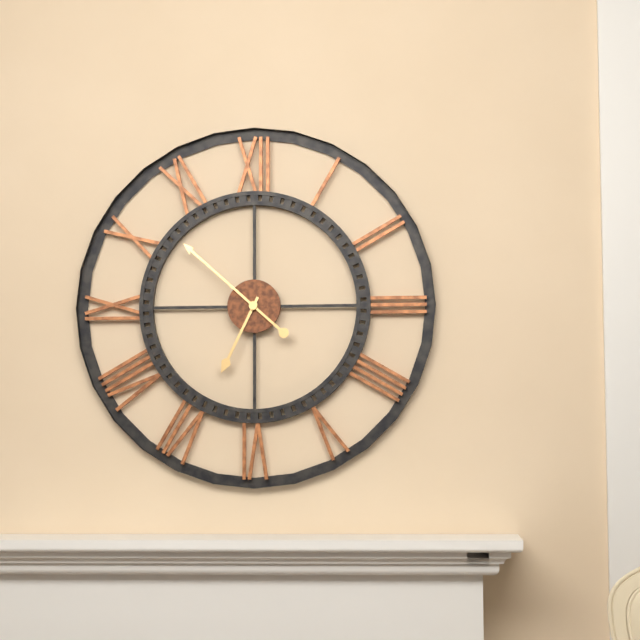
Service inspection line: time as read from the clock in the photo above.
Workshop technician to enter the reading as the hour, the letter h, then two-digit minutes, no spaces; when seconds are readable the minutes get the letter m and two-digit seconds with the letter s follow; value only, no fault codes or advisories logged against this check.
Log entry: 6h52
